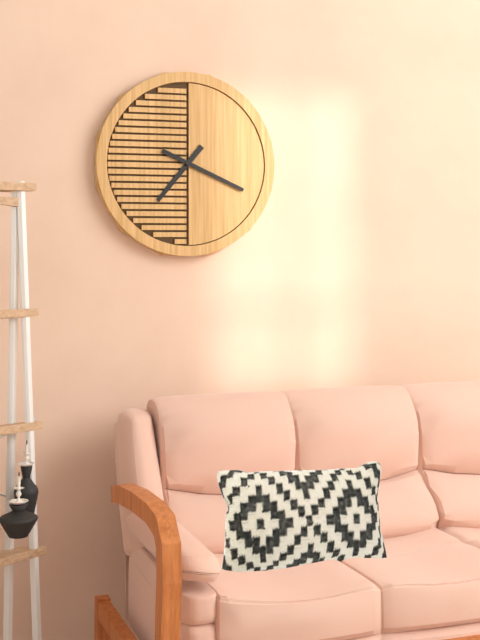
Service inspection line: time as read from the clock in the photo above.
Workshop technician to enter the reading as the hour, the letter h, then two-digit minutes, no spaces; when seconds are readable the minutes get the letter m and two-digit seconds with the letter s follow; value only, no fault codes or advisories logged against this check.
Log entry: 7h19
